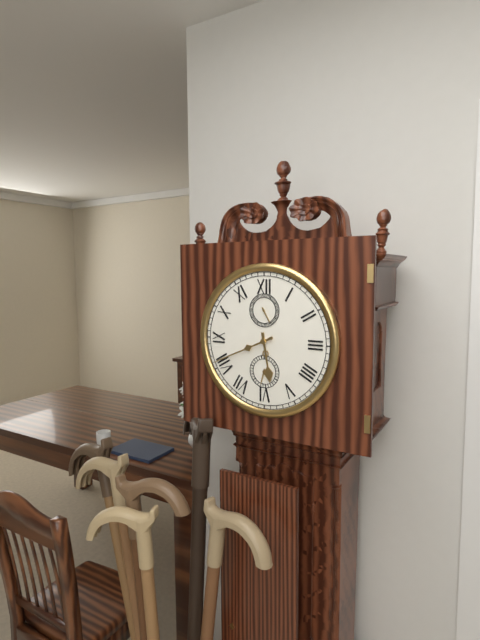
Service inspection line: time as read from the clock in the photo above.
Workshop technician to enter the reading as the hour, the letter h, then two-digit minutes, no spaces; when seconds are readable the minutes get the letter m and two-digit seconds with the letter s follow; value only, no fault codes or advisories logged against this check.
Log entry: 5h41
